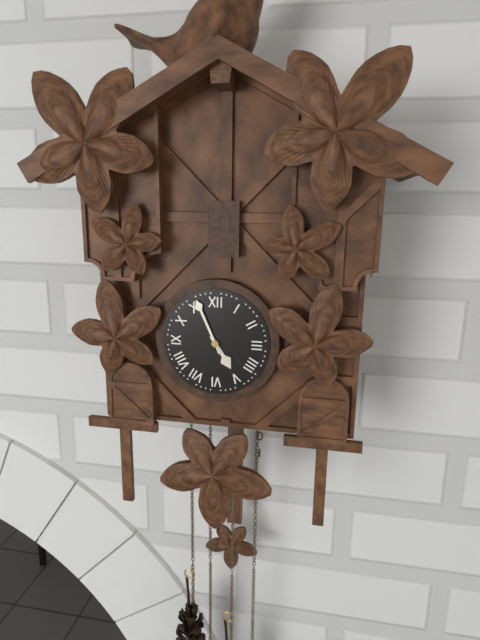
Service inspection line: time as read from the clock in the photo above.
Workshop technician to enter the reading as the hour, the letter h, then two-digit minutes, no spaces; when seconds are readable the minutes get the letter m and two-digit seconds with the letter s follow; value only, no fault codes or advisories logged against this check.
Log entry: 4h56
